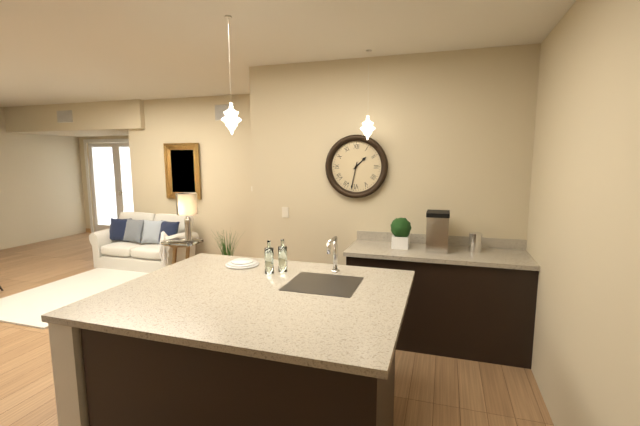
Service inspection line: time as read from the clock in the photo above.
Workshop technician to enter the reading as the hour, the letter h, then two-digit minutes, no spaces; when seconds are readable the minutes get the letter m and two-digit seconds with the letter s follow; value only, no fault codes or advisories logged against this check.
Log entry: 1h32
